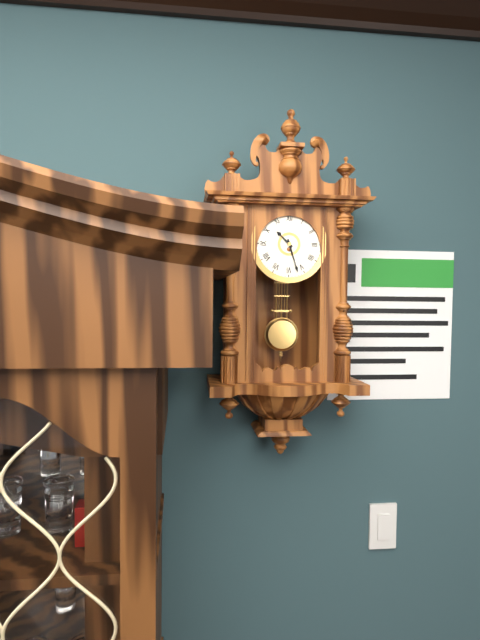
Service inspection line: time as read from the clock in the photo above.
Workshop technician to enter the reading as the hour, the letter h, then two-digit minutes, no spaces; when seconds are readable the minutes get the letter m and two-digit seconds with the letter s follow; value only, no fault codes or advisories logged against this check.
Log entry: 10h27
